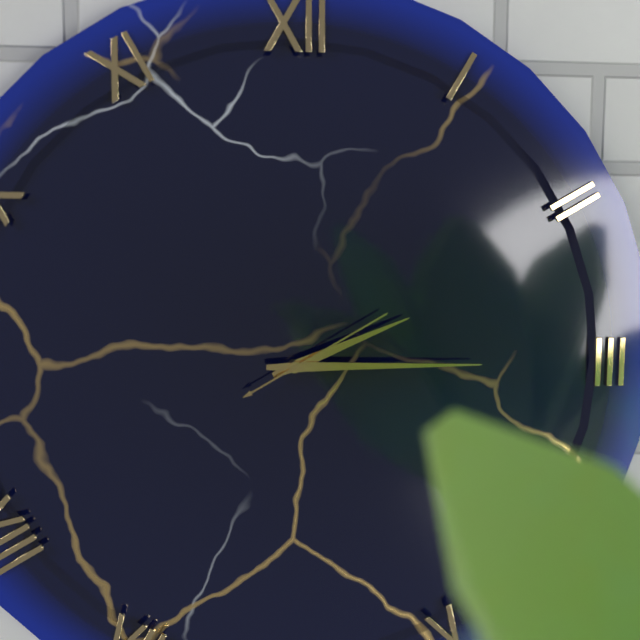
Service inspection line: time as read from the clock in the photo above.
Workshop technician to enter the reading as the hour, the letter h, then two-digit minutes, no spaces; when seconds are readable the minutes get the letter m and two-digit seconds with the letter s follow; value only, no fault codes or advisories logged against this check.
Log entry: 2h15m10s
